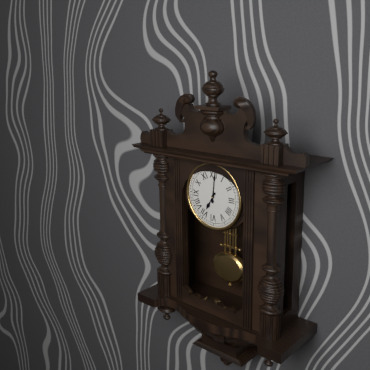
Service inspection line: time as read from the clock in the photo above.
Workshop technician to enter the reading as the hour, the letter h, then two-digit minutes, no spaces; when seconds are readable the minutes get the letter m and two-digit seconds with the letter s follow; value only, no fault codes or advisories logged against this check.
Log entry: 7h01
